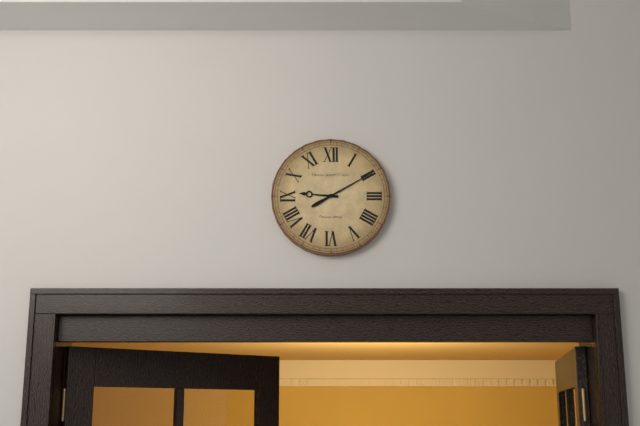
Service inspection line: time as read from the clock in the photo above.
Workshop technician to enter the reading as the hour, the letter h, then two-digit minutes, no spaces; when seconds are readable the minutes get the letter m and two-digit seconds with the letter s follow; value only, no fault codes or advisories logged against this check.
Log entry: 9h10
